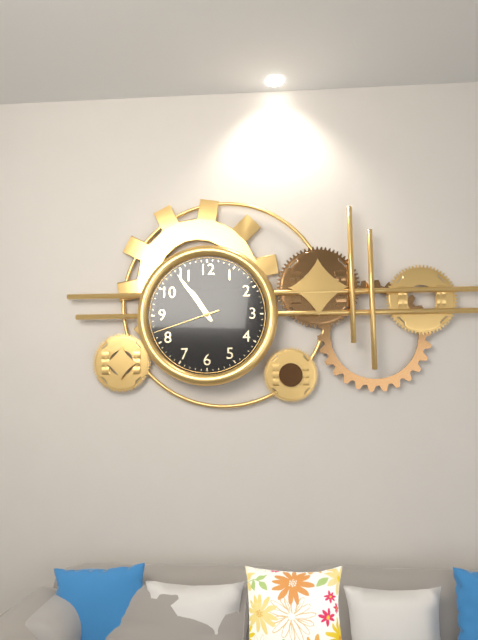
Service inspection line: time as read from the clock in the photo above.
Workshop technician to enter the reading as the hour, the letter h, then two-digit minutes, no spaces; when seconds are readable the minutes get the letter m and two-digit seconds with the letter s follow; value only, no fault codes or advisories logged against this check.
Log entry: 10h54m42s
